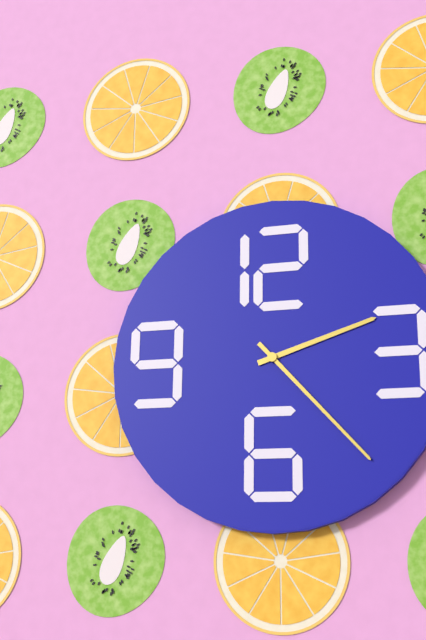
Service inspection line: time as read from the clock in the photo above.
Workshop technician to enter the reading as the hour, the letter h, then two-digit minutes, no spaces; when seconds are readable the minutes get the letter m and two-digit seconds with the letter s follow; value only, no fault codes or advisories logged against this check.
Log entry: 2h23
